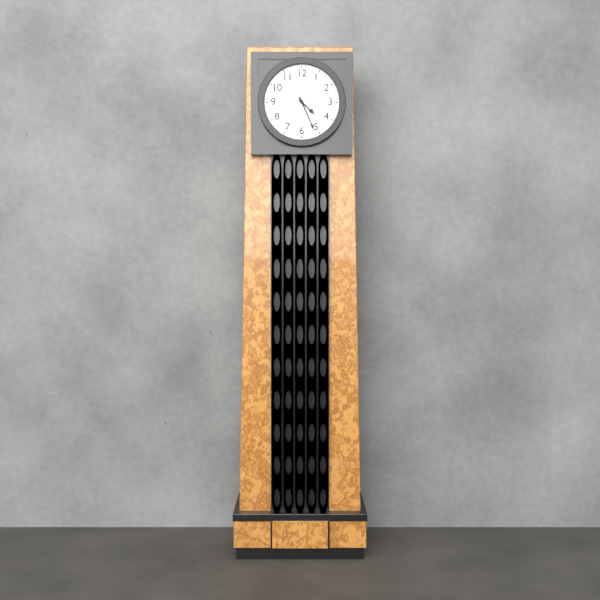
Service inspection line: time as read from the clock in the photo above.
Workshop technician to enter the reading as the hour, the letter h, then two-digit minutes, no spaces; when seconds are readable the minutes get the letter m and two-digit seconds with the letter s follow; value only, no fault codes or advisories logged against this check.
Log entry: 4h26
